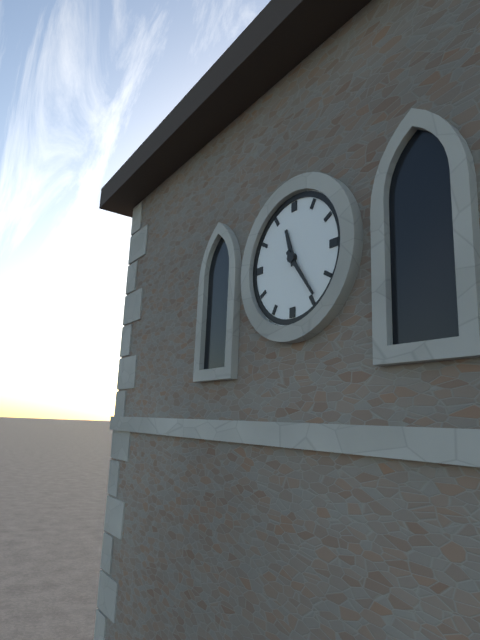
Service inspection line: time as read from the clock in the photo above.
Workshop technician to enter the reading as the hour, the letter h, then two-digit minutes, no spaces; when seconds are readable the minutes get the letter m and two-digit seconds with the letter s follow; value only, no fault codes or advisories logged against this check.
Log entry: 11h24
